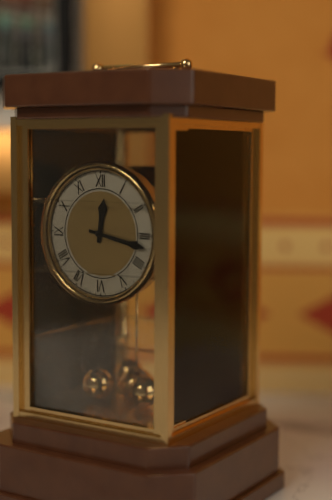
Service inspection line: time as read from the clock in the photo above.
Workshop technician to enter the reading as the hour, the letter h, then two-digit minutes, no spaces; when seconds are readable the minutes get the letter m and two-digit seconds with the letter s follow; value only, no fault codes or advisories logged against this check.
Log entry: 12h17
